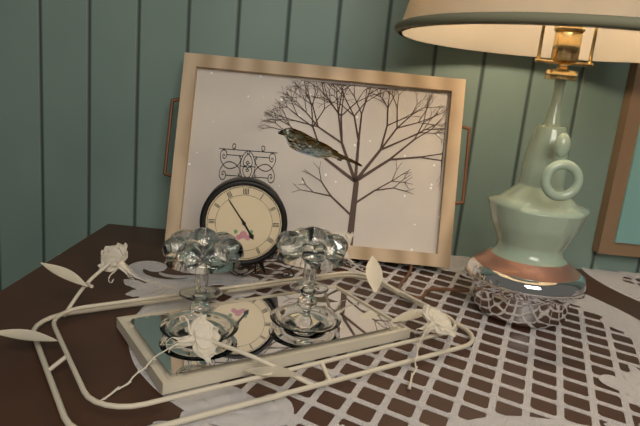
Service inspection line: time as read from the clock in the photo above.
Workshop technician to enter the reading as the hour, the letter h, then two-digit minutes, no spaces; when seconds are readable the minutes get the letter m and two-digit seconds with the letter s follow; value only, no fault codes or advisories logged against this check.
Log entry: 4h54
